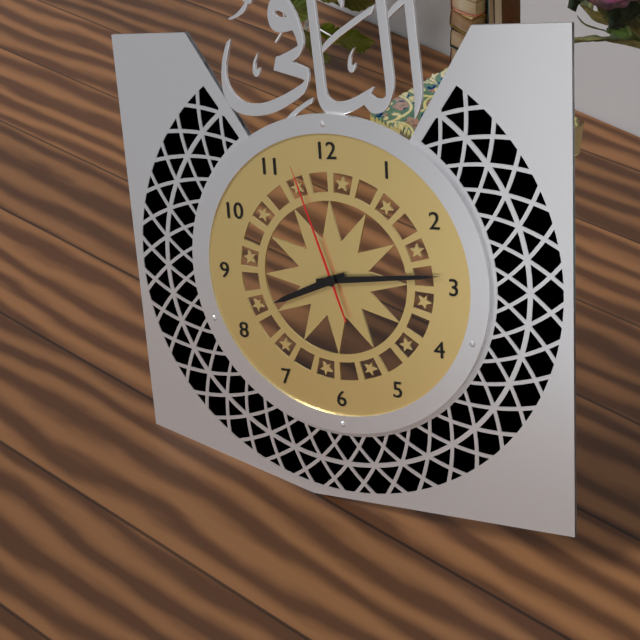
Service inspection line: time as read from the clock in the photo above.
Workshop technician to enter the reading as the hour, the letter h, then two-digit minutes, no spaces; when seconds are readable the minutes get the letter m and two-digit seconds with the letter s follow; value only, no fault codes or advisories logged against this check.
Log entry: 8h14m57s
